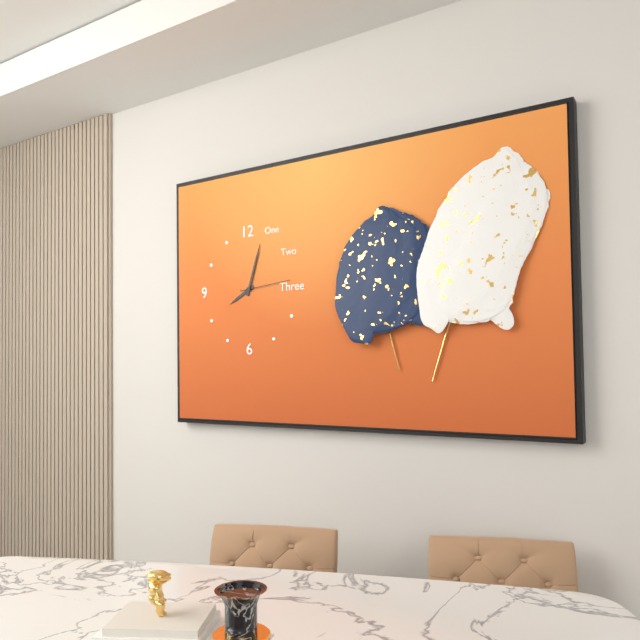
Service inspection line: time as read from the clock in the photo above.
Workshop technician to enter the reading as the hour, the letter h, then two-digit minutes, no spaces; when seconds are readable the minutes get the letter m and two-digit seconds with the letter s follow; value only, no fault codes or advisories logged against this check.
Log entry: 8h03m14s
